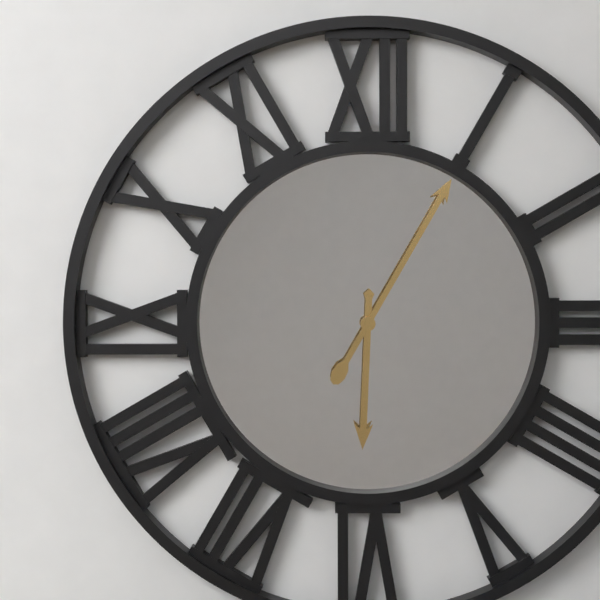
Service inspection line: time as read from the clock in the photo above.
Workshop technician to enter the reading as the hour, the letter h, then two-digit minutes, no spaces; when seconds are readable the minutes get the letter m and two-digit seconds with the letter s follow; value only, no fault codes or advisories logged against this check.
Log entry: 6h05
